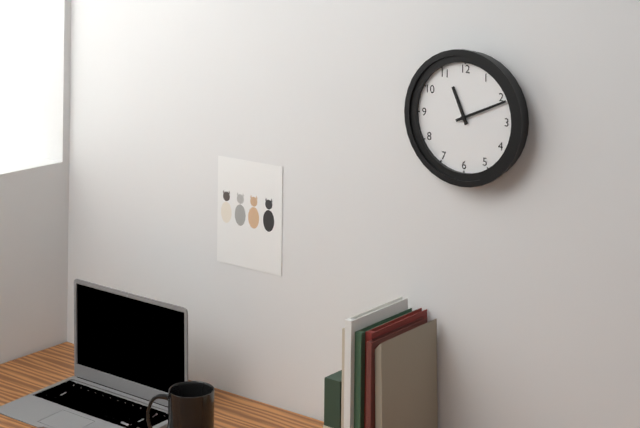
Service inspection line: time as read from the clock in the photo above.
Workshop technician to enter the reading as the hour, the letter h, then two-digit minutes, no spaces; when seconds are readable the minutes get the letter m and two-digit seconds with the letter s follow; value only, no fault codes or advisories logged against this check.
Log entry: 11h11
